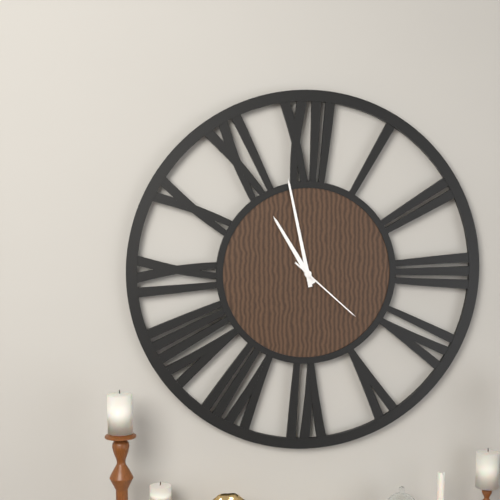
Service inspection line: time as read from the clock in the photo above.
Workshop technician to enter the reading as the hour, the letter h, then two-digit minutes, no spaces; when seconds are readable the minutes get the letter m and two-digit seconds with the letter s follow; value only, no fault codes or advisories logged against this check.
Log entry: 10h58m22s
